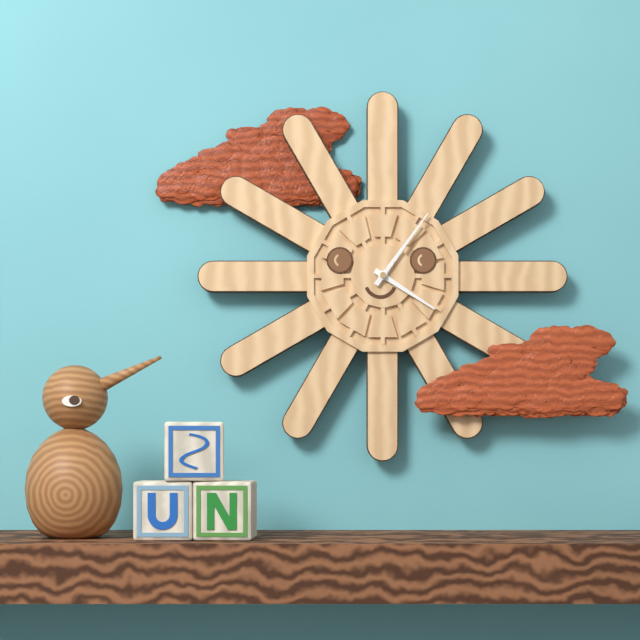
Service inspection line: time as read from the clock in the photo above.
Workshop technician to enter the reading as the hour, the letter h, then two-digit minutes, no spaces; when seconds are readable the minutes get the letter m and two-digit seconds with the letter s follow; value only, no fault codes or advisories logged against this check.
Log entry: 4h06
